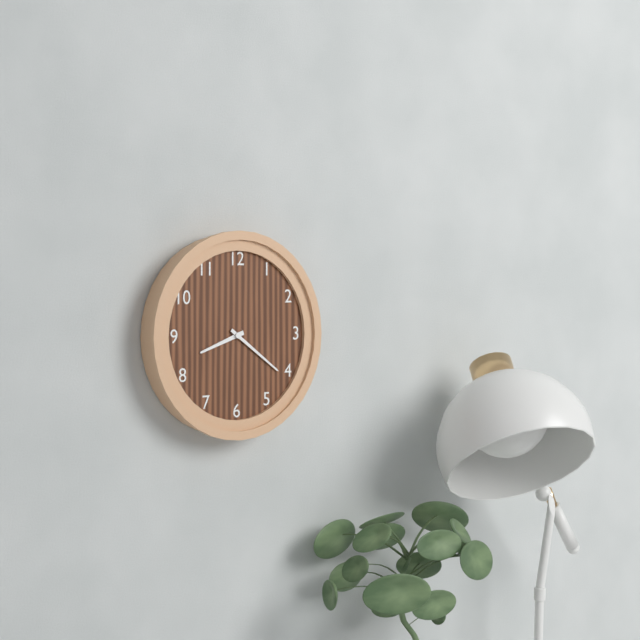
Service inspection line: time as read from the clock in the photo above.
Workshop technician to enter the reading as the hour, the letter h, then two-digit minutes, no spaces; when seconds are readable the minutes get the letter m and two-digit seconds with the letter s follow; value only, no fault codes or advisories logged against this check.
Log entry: 8h21
